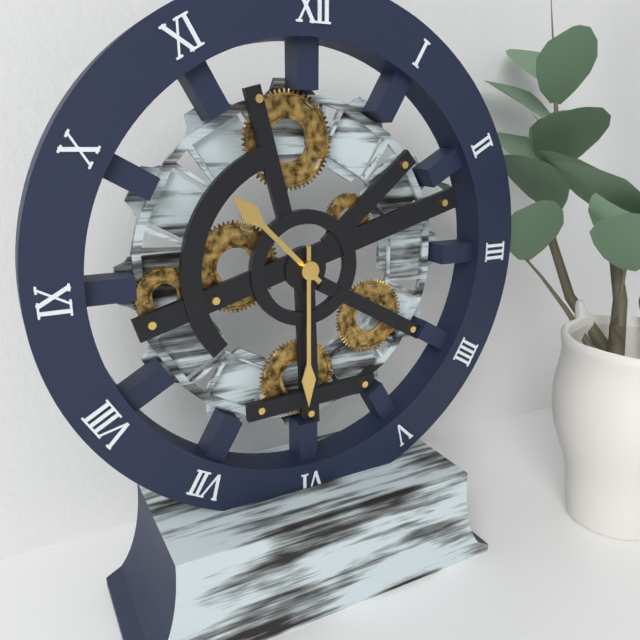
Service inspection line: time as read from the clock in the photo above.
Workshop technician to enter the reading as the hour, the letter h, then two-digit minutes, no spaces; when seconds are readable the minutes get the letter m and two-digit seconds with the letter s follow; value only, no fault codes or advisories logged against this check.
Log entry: 10h30
